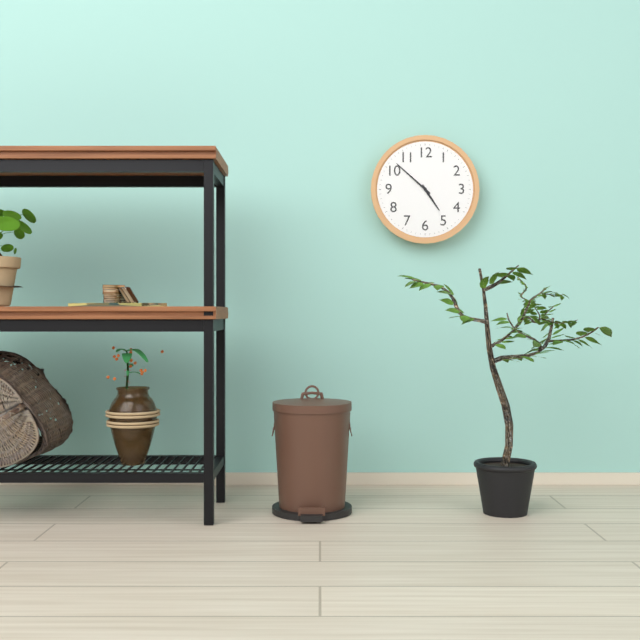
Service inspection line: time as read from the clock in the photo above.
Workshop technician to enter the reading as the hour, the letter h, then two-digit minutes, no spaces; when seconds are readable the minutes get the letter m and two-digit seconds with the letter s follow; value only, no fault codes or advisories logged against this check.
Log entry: 4h52
